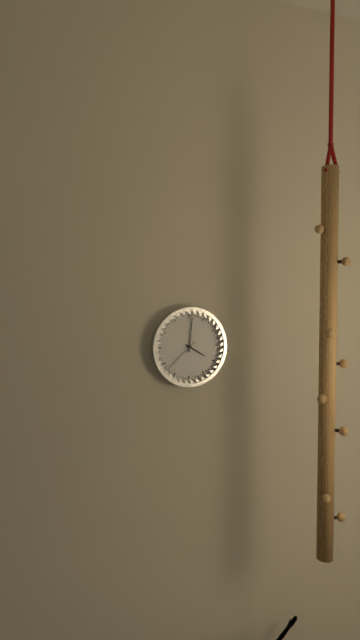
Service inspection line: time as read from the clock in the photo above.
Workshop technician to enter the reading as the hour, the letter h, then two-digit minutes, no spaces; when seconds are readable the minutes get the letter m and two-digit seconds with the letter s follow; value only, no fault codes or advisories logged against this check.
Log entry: 4h01
